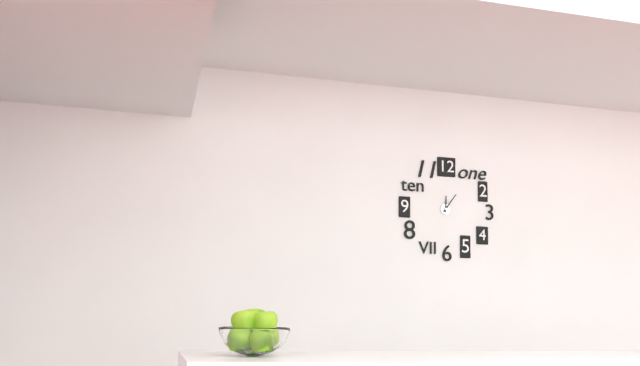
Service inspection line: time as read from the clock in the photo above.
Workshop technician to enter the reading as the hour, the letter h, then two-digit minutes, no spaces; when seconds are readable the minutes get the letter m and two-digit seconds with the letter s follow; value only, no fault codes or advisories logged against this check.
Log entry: 12h06
